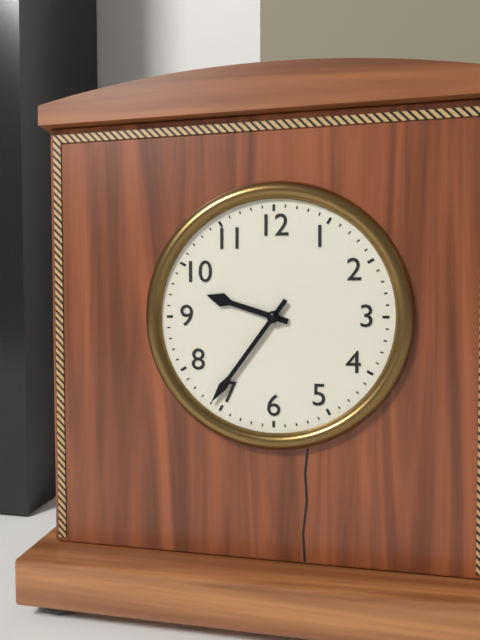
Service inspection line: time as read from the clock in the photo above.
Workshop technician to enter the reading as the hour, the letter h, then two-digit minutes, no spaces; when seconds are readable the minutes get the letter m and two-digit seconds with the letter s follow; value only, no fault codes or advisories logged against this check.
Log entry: 9h36
